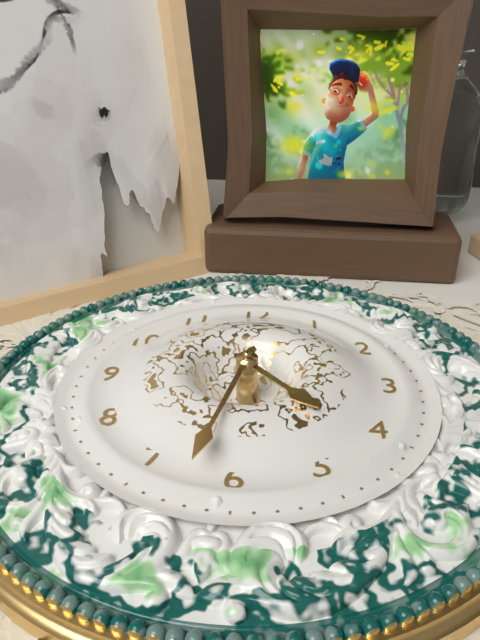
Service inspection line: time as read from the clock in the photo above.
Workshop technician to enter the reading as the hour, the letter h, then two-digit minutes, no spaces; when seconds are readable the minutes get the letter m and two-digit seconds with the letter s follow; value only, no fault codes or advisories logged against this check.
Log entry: 4h32
